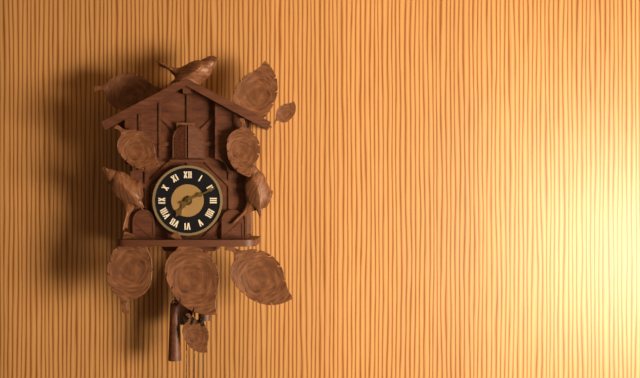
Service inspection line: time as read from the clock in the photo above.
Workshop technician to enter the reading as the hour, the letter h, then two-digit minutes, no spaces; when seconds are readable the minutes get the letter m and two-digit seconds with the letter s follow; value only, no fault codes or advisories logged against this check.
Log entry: 7h11
